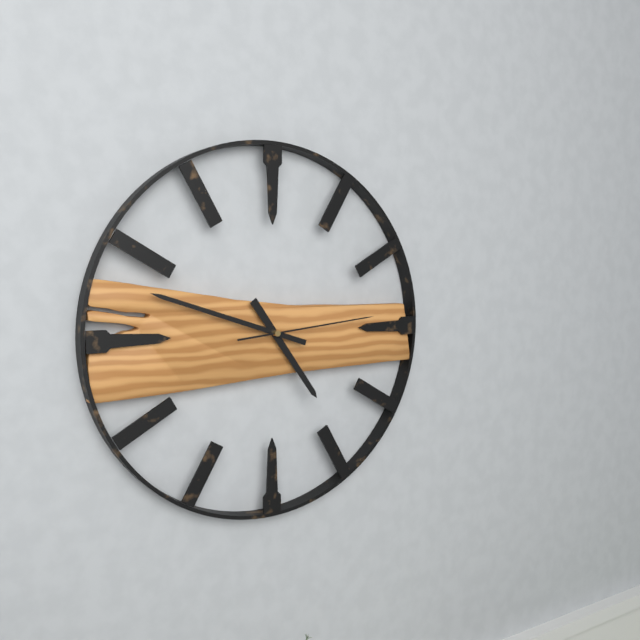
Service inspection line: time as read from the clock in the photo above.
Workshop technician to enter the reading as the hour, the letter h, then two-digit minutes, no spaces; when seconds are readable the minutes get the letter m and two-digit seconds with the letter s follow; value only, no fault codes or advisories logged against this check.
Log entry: 4h48m14s
